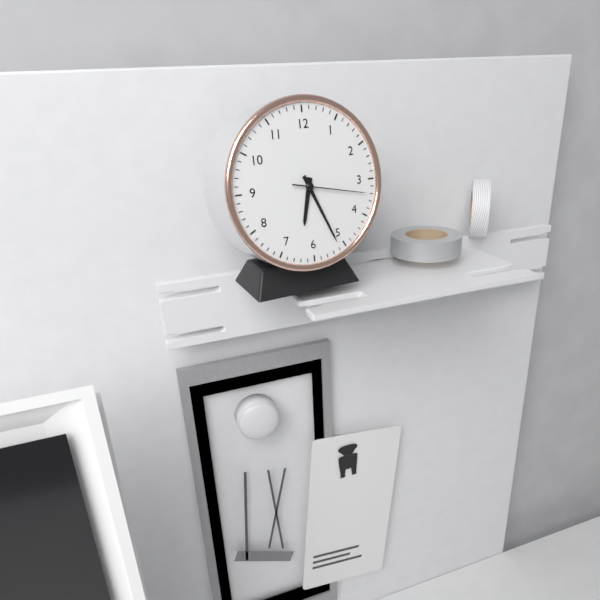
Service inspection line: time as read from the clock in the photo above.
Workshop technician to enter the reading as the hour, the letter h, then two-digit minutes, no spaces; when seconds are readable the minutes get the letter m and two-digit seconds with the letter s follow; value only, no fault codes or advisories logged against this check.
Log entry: 6h26m17s
